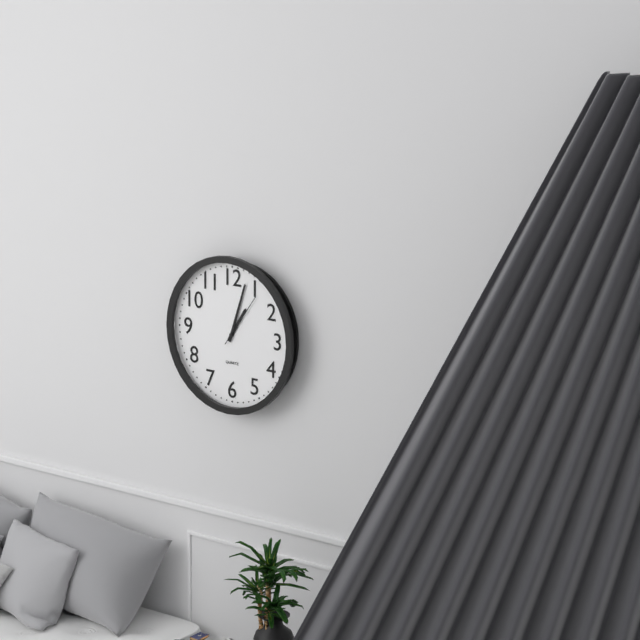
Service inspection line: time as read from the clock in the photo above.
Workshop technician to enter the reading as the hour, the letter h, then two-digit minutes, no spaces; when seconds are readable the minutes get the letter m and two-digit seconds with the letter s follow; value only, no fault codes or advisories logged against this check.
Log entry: 1h03m06s
